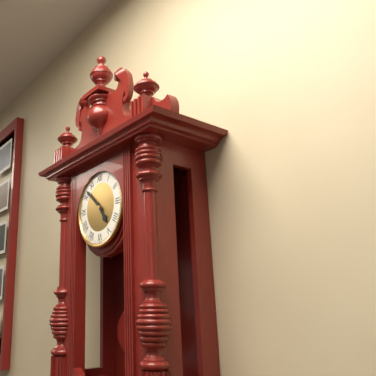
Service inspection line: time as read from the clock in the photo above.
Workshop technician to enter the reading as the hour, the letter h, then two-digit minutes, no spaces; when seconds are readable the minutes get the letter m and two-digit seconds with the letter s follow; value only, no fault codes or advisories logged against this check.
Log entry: 4h52
